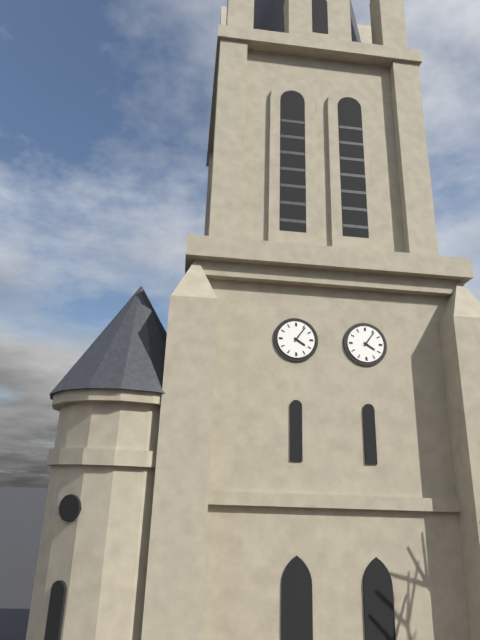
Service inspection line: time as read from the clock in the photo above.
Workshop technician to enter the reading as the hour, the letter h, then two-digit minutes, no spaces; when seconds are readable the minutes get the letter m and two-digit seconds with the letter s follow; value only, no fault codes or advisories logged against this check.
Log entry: 4h06
